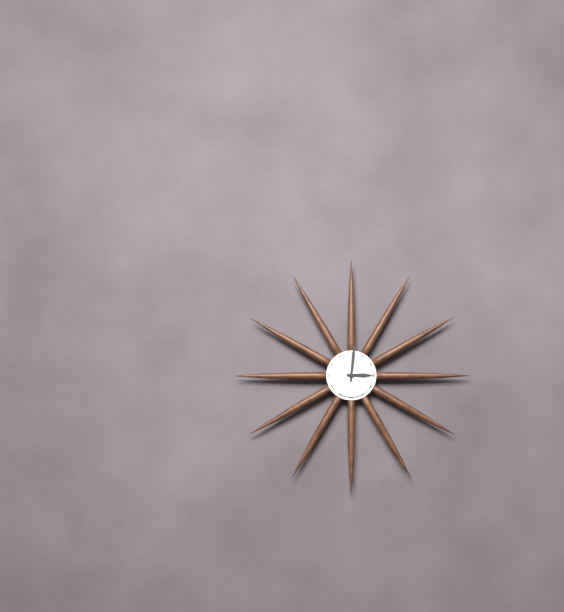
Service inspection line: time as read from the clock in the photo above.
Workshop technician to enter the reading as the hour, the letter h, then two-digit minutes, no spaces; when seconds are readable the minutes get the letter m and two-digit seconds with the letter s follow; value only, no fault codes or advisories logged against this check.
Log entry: 3h01
